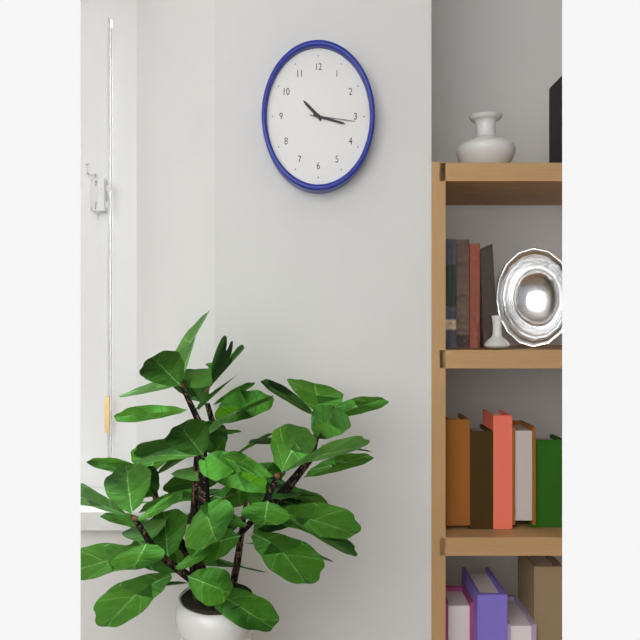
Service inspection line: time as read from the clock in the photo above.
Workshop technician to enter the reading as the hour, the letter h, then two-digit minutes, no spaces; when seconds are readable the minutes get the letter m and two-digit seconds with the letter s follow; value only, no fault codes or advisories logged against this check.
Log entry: 10h17
